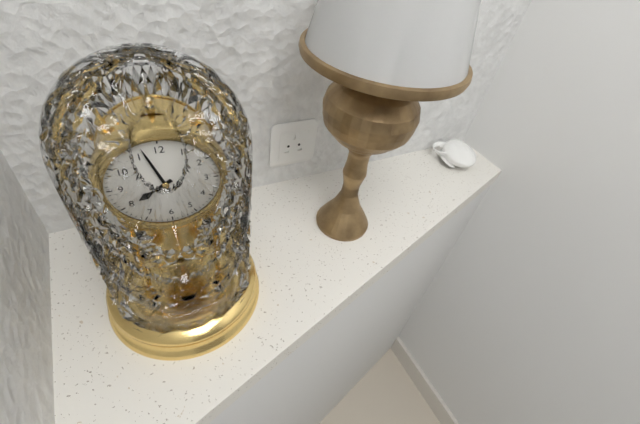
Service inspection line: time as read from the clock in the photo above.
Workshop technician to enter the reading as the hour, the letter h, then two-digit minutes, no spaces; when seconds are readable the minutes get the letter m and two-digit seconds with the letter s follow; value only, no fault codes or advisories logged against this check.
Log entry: 7h57
